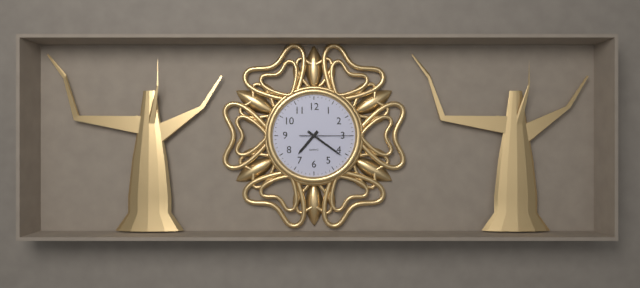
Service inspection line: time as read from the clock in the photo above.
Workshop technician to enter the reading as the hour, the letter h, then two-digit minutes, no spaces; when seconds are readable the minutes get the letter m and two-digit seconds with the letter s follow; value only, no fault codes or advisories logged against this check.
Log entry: 7h21
